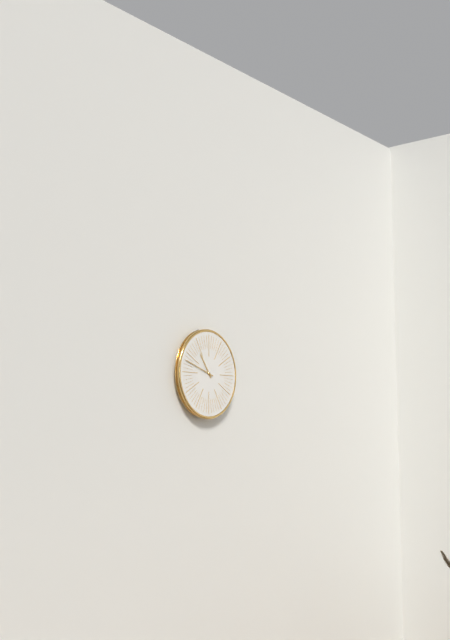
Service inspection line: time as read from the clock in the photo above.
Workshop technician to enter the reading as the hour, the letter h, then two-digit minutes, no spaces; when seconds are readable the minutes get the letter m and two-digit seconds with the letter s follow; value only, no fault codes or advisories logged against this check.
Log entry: 10h48
